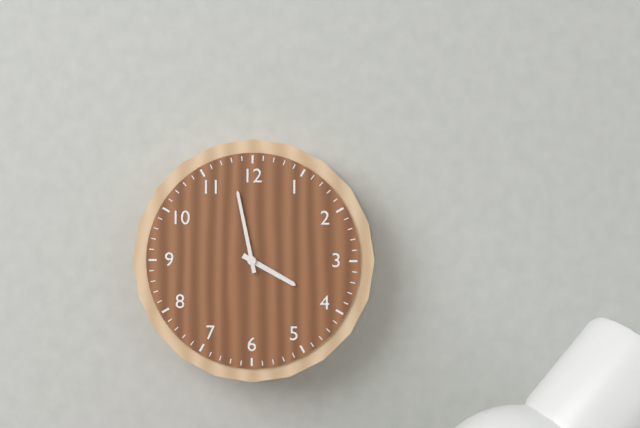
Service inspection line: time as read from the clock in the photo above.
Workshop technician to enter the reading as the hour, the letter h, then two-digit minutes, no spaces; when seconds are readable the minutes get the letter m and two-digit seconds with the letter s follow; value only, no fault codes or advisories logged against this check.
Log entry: 3h58
